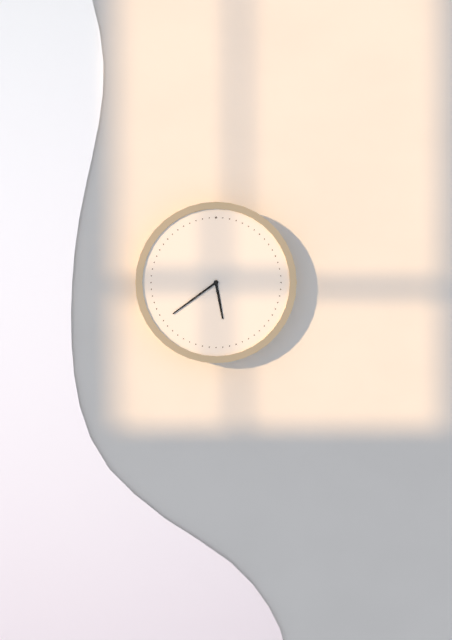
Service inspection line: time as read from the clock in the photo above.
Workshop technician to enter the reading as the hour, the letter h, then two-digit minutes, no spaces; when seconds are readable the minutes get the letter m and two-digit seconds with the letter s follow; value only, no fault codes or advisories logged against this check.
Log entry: 5h39
